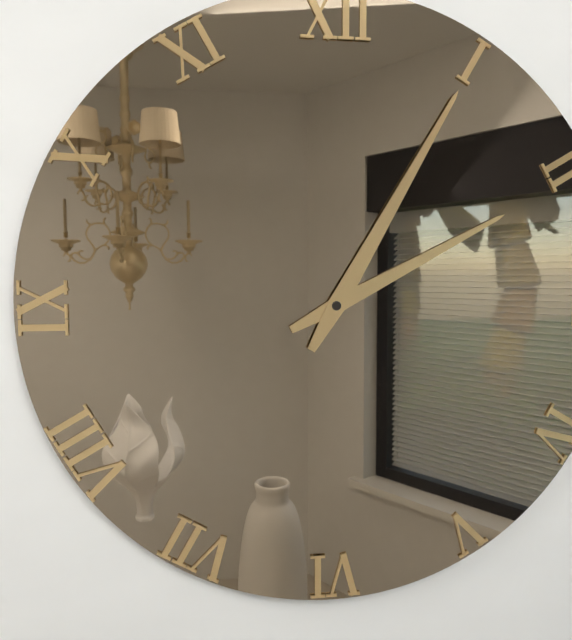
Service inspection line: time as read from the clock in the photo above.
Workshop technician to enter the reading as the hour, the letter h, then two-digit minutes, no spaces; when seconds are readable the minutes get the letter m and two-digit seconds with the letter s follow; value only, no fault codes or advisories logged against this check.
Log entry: 2h05
